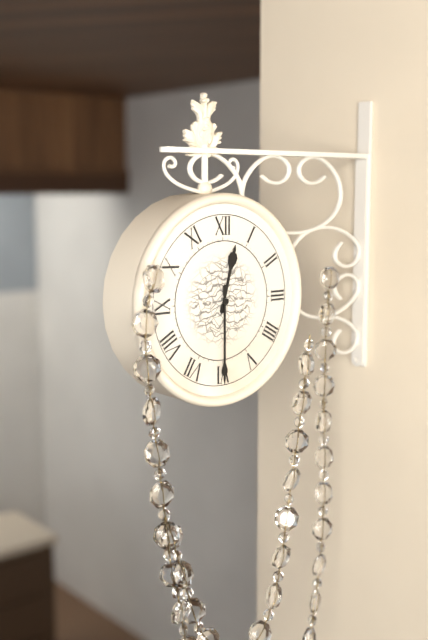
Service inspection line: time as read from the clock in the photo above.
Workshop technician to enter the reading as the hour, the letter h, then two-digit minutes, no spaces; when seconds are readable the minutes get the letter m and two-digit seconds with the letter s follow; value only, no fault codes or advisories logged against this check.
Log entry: 12h30
